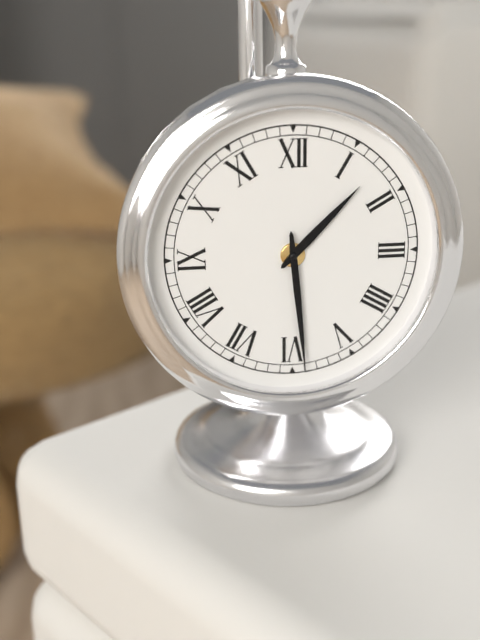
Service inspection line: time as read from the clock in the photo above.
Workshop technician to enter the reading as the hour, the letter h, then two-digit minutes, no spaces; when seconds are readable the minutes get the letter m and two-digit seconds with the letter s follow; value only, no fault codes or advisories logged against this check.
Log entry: 1h29
